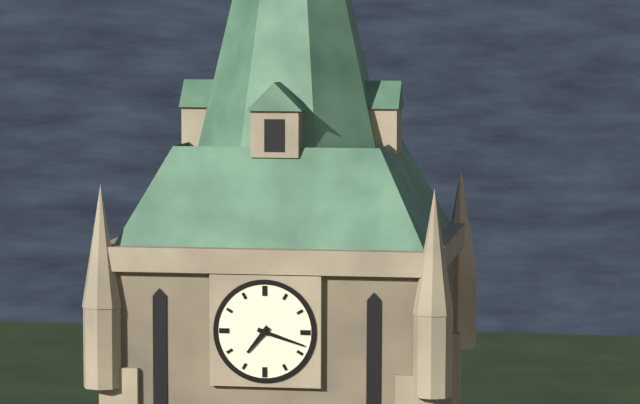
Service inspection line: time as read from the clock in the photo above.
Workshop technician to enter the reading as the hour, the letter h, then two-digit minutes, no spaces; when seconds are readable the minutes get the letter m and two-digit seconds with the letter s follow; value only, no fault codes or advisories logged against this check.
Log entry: 7h18
